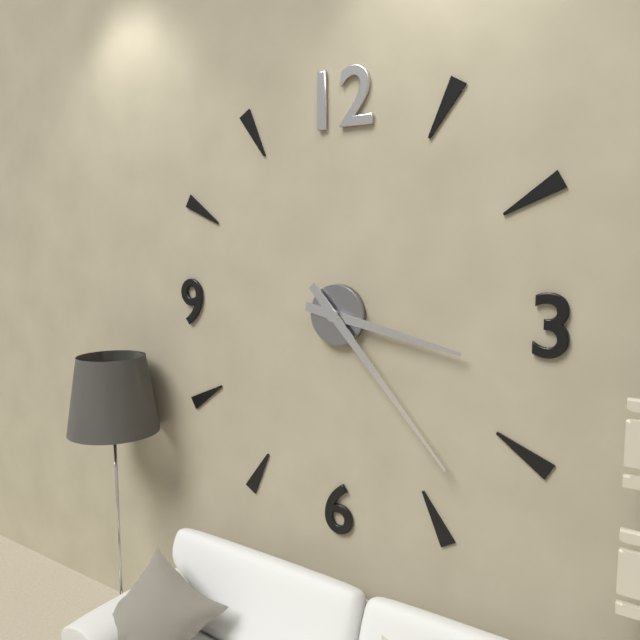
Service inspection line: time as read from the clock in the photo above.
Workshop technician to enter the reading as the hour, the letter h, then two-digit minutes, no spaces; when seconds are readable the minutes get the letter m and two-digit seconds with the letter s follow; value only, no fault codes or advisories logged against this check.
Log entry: 3h23
